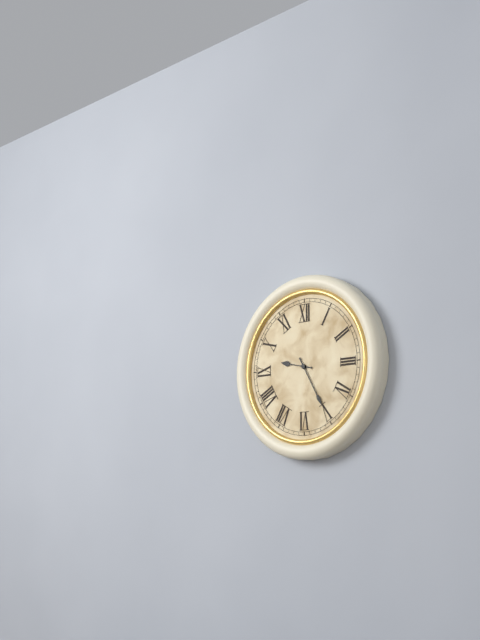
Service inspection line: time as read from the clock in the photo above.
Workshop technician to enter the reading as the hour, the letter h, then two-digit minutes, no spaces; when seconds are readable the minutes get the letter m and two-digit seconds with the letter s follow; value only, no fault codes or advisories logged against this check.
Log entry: 9h25
